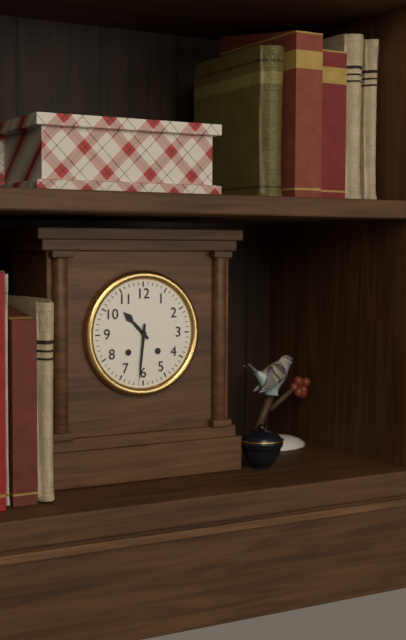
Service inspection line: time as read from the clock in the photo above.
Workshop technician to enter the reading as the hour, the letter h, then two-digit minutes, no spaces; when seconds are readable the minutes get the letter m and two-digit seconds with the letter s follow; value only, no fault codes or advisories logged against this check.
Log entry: 10h31
